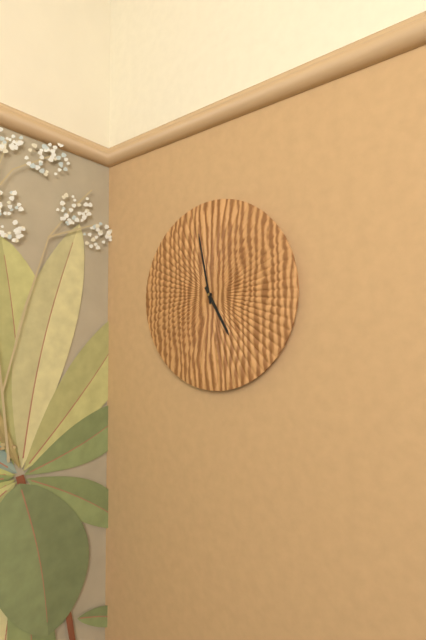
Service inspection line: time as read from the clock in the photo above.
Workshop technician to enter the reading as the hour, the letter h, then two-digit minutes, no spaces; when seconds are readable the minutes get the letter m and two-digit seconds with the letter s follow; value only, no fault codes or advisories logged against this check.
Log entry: 4h58
